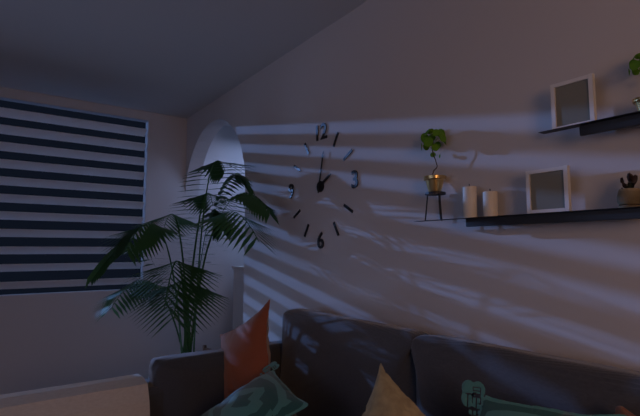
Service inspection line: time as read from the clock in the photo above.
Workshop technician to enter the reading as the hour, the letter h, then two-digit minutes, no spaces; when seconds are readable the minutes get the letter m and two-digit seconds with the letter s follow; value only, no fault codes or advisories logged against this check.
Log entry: 2h02
